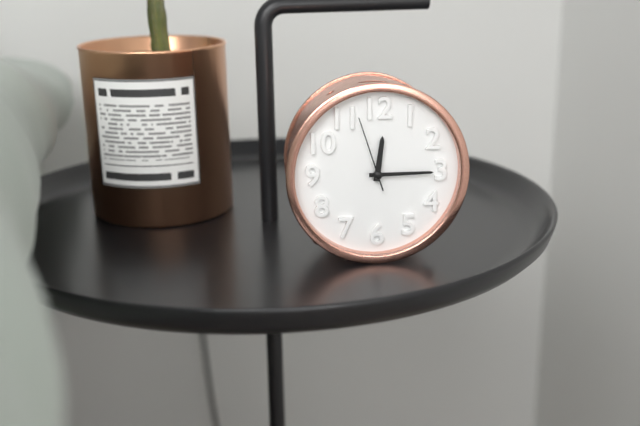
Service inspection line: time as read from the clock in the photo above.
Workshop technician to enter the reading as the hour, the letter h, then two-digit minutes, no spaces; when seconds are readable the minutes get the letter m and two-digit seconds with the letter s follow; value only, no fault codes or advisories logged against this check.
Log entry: 12h15m57s
